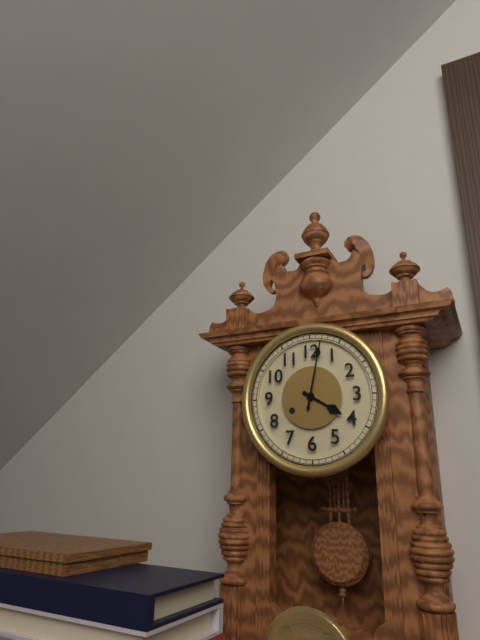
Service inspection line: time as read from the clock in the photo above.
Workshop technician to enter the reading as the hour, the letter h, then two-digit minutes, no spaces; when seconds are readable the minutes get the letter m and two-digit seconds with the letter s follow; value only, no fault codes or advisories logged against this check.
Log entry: 4h02
